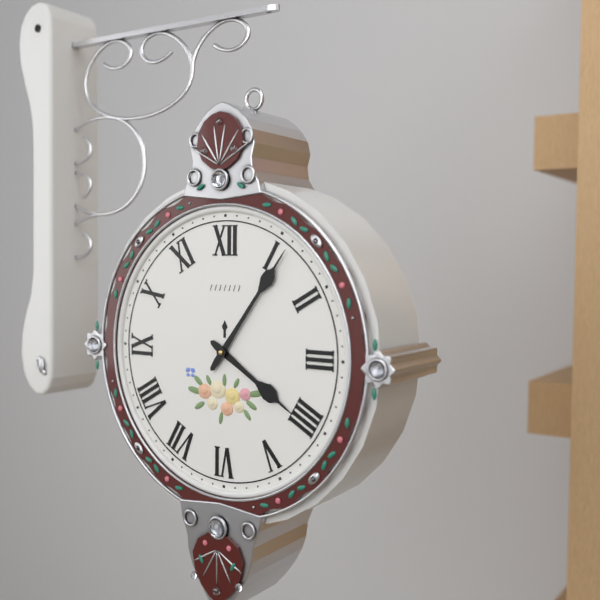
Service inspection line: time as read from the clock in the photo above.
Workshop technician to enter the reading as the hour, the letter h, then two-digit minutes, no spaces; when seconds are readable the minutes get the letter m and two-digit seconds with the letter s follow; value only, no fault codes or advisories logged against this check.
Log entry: 4h06
